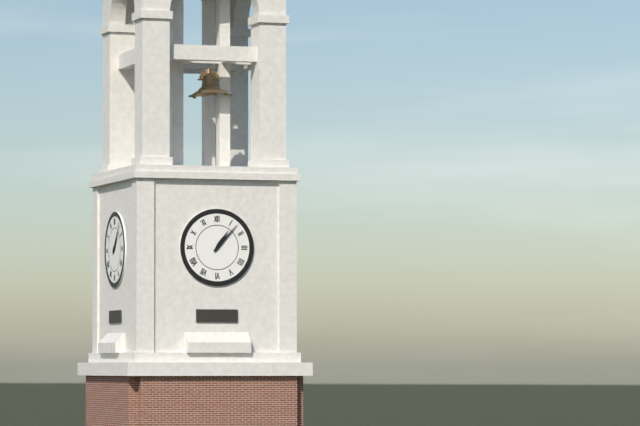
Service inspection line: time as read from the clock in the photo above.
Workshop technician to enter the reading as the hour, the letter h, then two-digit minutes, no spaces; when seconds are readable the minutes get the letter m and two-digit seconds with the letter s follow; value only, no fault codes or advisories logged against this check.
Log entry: 1h07
